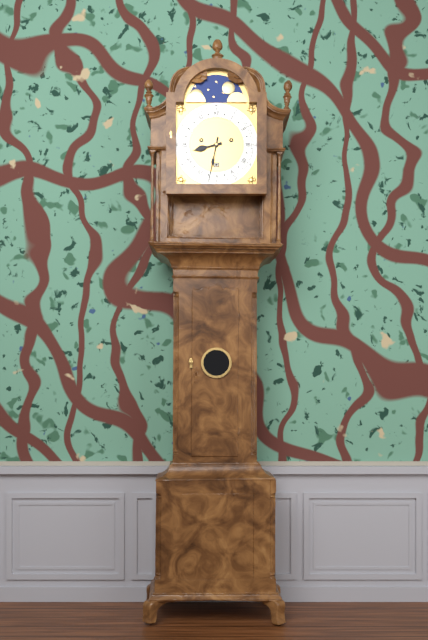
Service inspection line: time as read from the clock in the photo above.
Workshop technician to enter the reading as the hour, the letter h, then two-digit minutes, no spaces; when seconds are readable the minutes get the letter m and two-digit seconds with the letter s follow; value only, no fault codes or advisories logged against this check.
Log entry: 8h32
